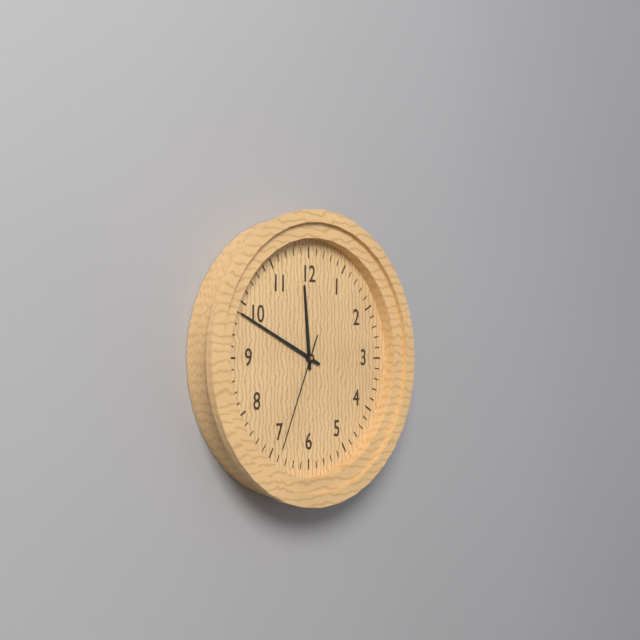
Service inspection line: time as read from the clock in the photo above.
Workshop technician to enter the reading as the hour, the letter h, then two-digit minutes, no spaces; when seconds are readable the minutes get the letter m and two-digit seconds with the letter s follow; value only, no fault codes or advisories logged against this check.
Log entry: 11h49m34s
